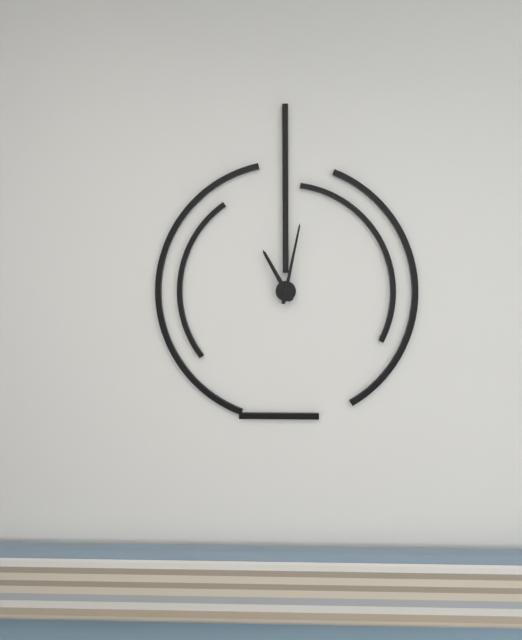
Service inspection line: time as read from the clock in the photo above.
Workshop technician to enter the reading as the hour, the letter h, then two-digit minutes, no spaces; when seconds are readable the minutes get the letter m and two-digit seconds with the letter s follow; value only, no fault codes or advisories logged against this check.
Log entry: 11h02
